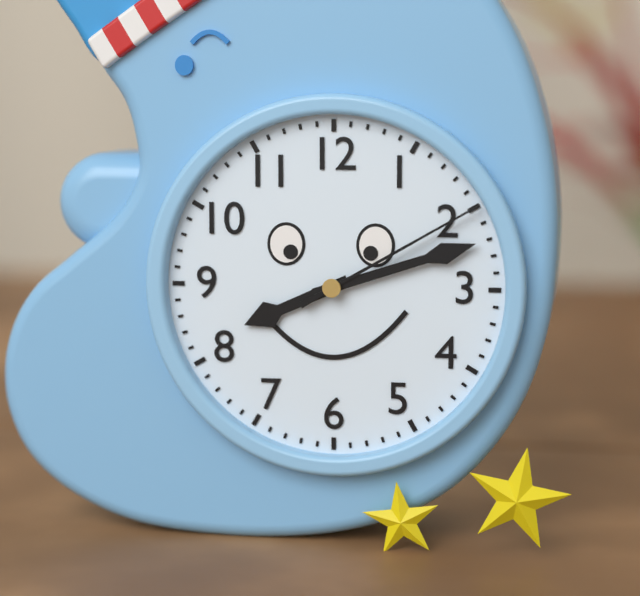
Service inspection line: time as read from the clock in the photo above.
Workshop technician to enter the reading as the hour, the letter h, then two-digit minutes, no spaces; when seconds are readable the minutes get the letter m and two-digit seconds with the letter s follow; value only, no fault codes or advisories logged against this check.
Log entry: 8h12m10s
